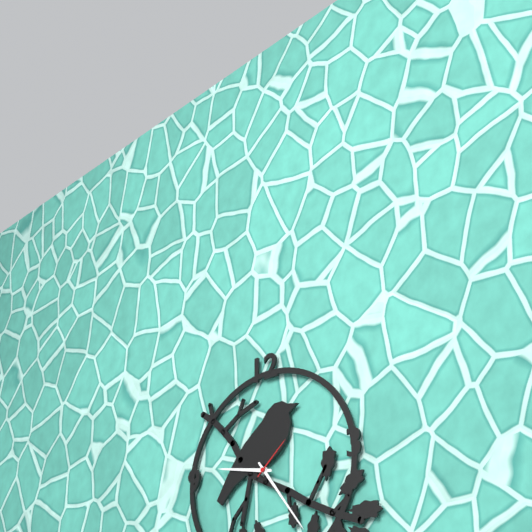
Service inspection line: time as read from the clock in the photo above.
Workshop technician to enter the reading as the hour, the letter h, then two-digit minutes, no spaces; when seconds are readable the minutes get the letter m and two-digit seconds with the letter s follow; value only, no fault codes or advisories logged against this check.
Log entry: 9h24
